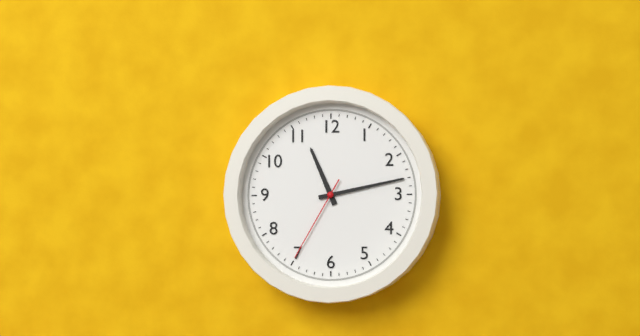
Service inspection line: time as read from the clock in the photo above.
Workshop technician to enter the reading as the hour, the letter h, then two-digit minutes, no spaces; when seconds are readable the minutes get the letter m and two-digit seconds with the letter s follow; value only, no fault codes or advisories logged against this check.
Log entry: 11h13m35s
